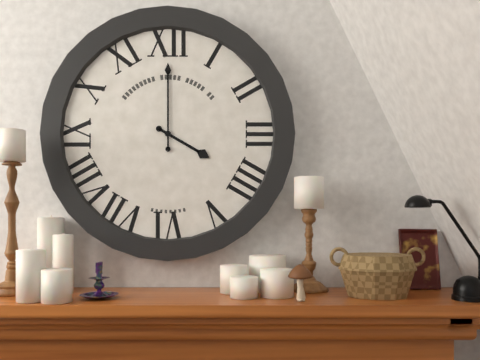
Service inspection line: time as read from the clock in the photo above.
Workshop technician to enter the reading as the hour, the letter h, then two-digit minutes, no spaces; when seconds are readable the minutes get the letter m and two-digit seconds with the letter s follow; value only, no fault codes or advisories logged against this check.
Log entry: 4h00
